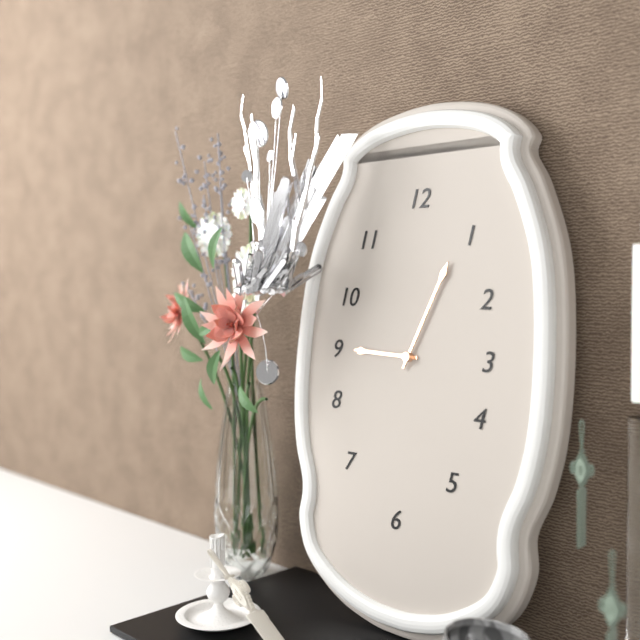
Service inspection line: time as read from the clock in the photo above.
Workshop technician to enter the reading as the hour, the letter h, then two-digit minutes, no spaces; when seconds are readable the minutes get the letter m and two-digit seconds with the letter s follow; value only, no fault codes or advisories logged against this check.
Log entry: 9h04
